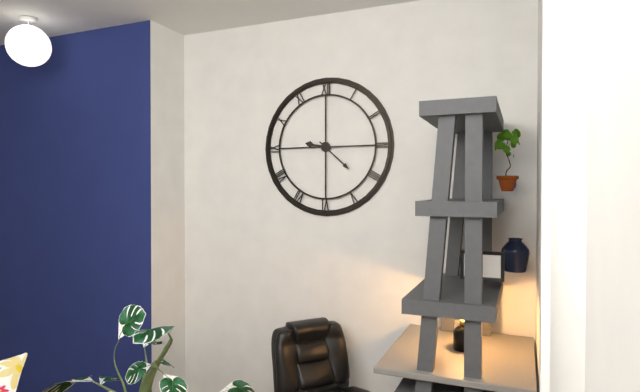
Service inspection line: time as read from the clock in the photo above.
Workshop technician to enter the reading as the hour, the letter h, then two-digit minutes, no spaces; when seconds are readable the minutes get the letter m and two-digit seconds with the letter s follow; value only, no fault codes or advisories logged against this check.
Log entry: 9h22
